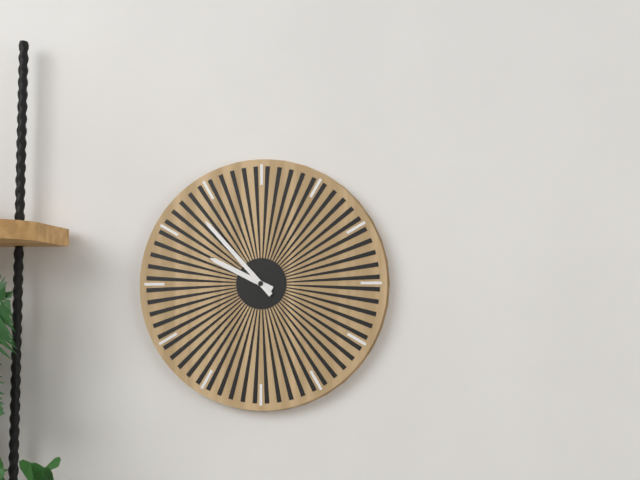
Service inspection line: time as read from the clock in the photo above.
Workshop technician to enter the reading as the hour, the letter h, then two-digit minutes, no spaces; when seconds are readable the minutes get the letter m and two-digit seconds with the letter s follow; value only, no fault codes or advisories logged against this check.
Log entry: 9h53
